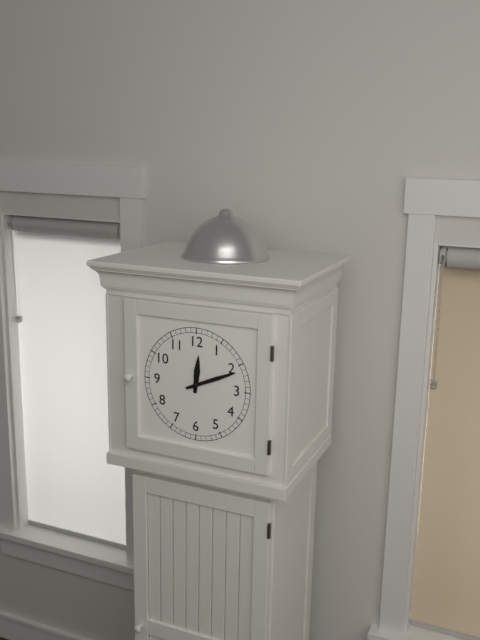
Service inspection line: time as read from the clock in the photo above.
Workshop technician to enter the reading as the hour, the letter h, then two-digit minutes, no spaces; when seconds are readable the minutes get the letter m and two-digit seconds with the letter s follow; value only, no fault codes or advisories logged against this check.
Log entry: 12h11
